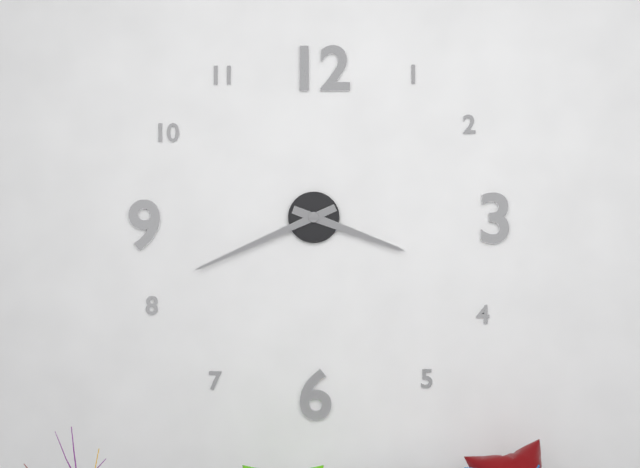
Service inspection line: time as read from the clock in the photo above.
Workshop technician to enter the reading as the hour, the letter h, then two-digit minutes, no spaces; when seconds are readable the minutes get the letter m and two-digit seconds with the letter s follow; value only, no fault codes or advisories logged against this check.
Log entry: 3h41
